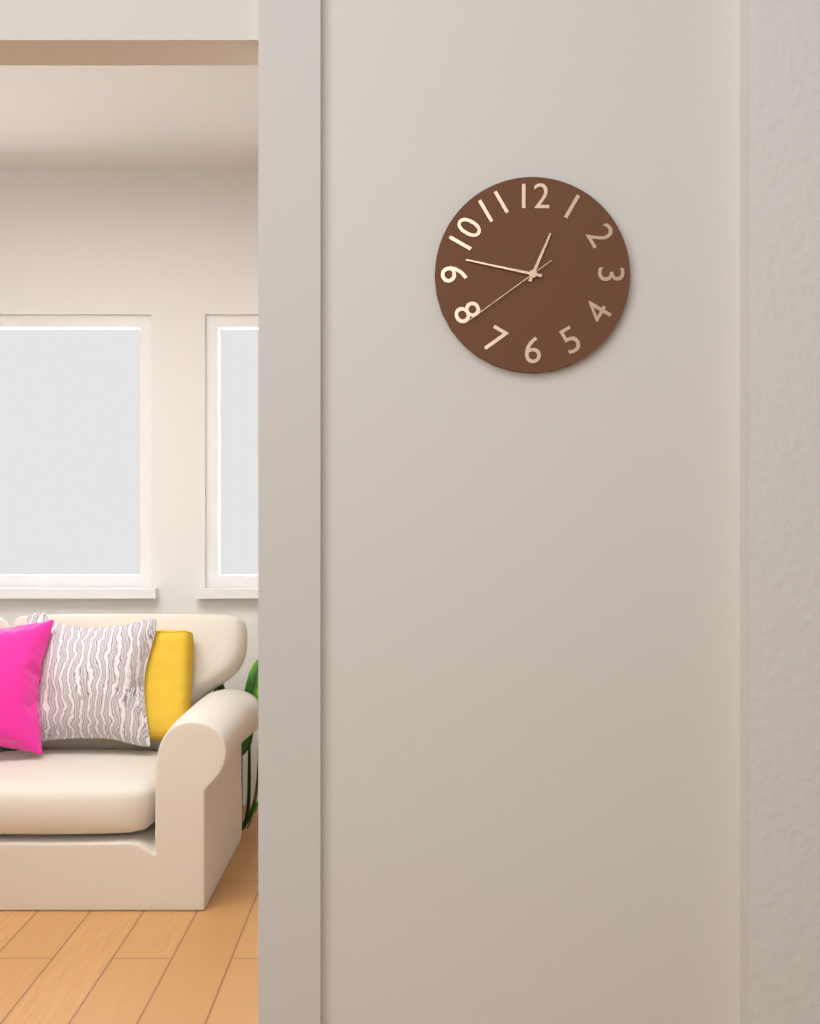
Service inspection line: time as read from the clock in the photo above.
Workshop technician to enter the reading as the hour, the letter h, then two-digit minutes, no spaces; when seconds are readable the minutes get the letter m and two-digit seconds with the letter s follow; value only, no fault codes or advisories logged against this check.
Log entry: 12h47m39s
